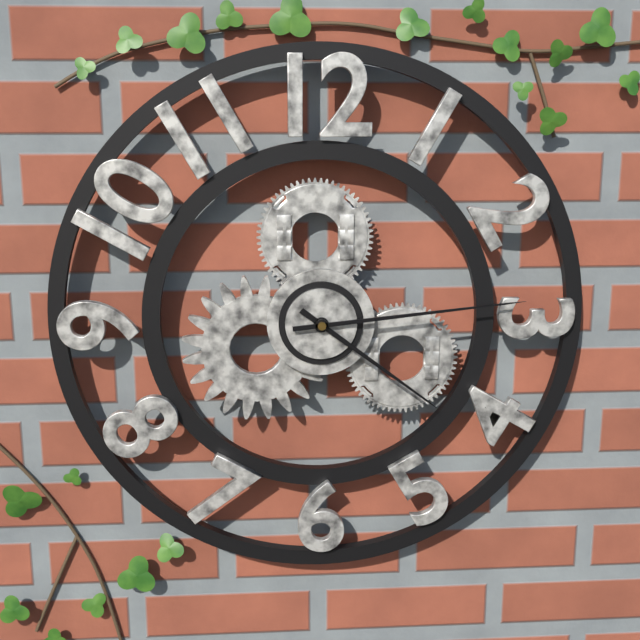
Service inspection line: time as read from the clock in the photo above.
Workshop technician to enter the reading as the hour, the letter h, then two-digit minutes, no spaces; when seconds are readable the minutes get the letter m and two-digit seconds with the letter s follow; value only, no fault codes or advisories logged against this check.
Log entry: 4h14
